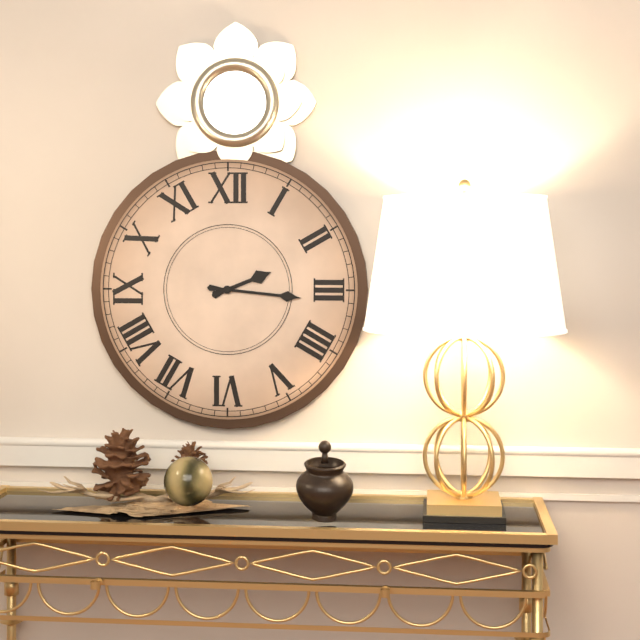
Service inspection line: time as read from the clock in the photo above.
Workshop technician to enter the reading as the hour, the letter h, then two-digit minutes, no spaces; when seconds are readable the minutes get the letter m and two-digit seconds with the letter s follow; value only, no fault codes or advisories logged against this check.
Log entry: 2h16
